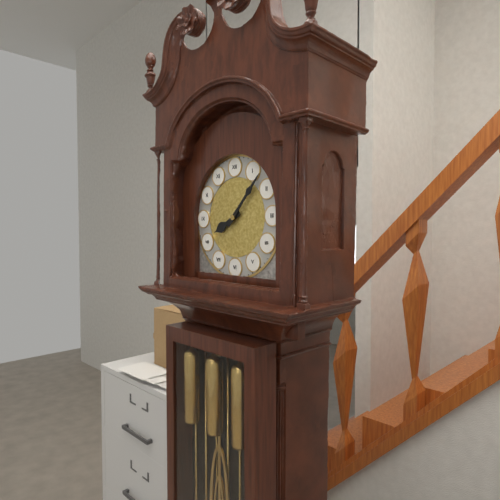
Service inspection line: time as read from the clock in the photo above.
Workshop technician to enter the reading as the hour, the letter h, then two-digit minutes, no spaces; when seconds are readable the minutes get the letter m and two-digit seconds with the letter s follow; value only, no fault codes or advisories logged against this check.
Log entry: 8h07
